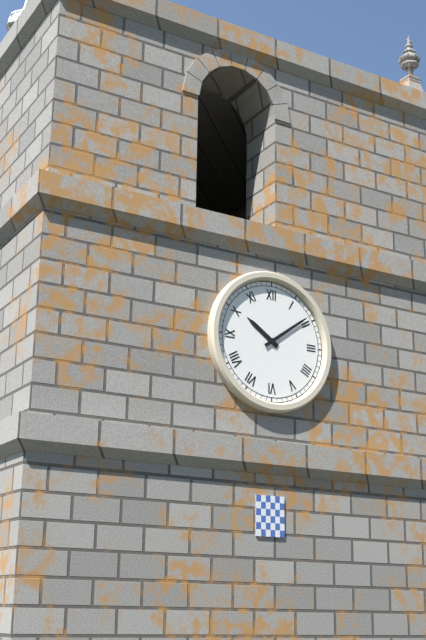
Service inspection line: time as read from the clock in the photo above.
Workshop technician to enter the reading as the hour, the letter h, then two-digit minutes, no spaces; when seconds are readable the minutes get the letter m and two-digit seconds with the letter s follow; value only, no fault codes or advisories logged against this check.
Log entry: 10h09
